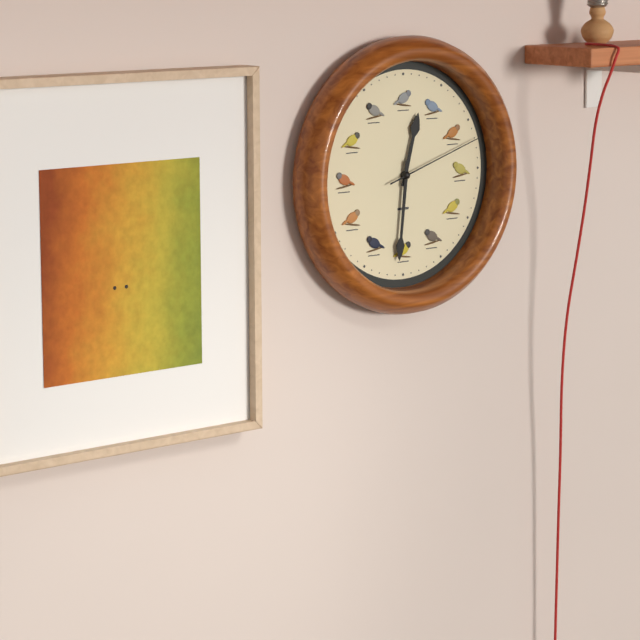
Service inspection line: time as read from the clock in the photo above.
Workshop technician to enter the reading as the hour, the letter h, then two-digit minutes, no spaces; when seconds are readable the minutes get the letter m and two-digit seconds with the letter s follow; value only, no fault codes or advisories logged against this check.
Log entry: 12h31m12s
